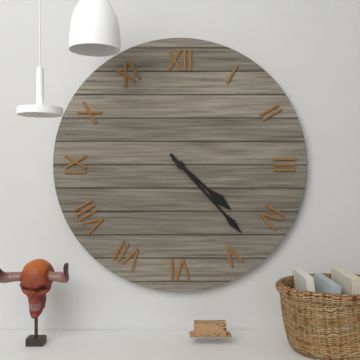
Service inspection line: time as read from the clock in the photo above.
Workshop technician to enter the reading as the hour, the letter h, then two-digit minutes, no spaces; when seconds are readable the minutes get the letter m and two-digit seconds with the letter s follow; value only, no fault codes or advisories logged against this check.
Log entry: 4h23
